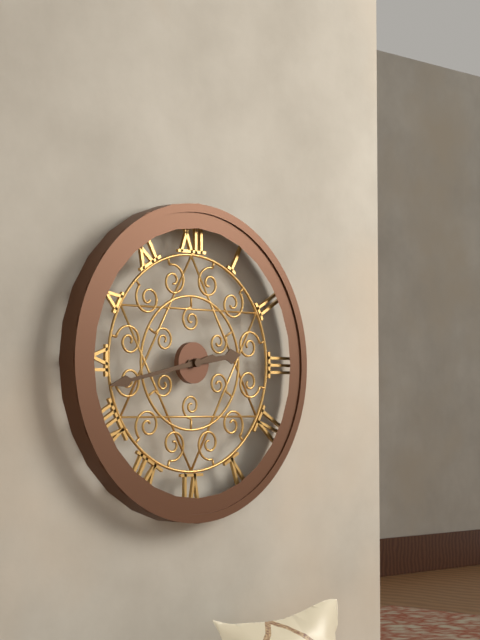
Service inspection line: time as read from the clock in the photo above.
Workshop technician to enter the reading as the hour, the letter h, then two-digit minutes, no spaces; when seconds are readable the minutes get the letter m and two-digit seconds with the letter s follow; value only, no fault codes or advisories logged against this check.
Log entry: 2h43
